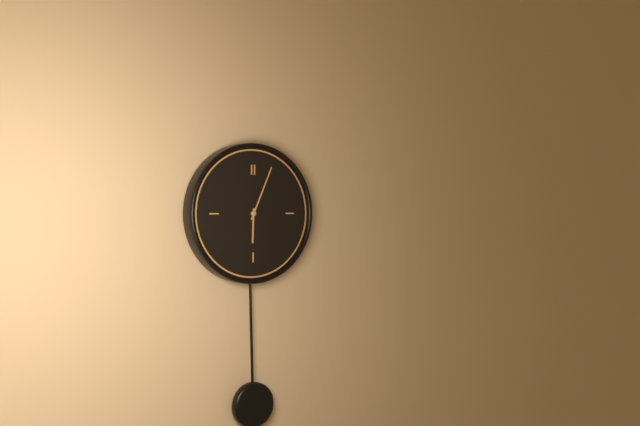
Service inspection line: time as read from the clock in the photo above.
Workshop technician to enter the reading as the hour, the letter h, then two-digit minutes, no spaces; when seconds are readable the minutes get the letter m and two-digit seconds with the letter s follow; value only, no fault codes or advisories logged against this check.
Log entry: 6h04
